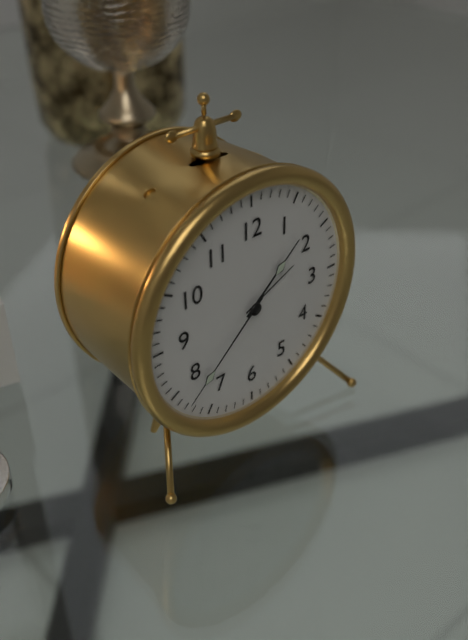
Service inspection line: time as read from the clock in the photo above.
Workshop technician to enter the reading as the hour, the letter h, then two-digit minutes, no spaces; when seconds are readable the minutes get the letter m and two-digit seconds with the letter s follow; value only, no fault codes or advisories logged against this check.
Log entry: 1h38
